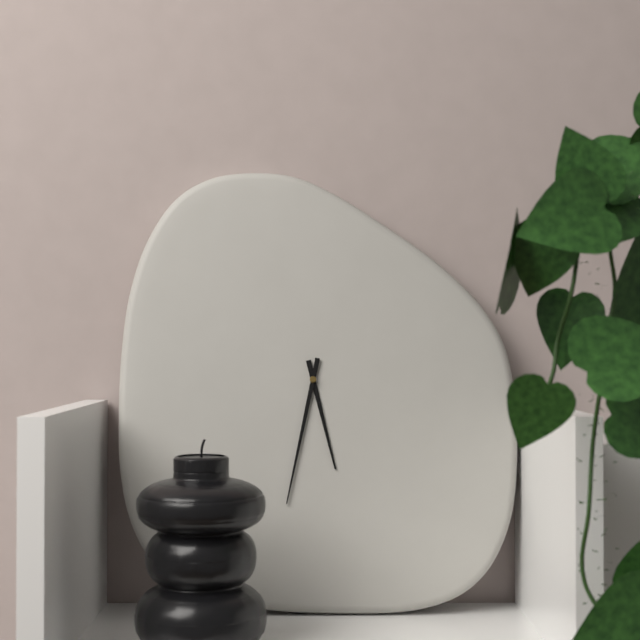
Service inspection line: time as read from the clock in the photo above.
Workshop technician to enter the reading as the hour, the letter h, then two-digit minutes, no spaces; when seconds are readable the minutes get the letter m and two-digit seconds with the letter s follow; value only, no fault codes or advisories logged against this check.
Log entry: 5h32
